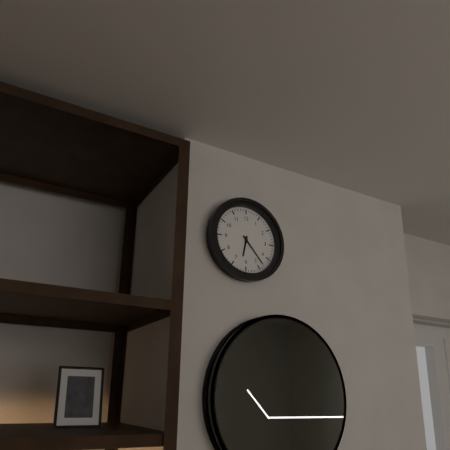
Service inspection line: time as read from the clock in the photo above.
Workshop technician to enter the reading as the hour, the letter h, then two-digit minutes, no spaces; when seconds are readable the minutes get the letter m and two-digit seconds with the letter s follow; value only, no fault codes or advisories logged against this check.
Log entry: 6h23
